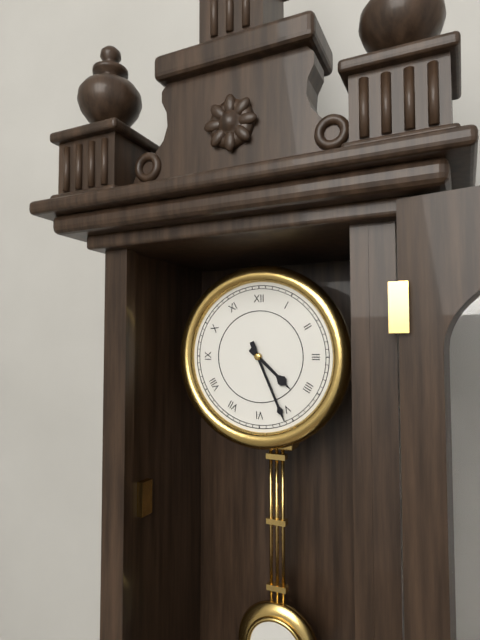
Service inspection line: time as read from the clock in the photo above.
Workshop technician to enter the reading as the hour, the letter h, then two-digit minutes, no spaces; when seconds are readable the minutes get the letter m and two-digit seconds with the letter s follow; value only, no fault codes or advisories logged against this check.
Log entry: 4h26
